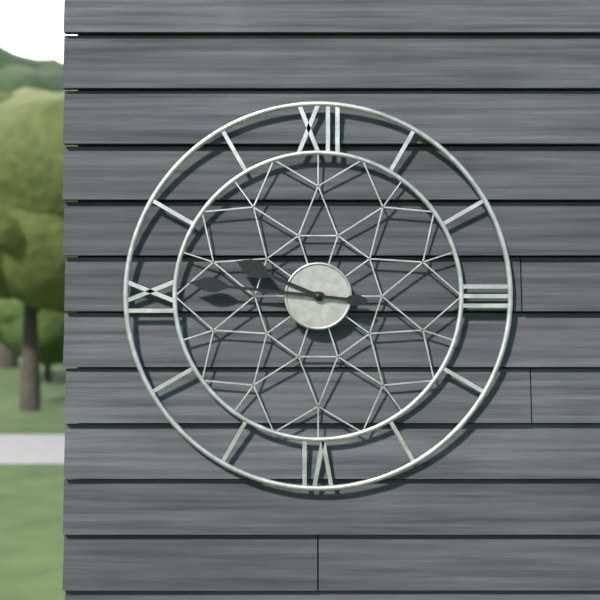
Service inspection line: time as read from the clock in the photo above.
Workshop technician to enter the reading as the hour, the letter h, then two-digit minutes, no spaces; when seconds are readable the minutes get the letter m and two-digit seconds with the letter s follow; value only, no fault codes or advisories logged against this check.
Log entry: 9h46
